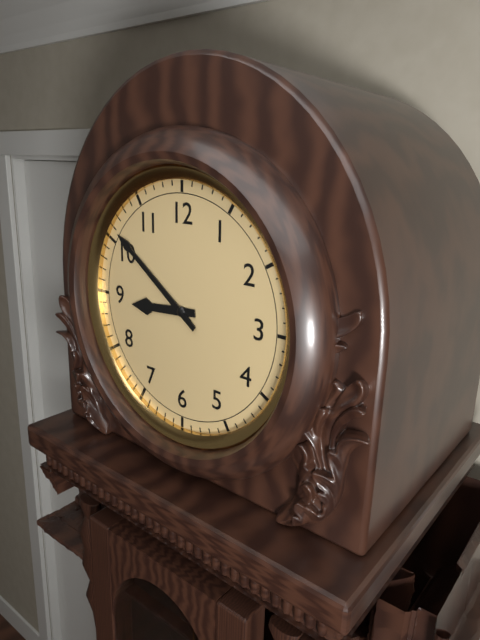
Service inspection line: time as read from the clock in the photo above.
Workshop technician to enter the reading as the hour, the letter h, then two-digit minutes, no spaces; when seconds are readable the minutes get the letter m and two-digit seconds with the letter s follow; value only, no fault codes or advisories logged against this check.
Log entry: 8h51
